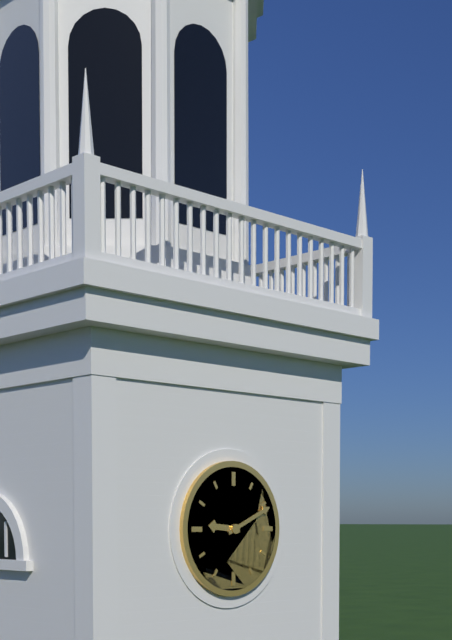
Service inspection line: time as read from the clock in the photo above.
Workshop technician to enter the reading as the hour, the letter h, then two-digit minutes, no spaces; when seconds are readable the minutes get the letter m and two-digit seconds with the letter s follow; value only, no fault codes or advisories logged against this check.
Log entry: 9h11
